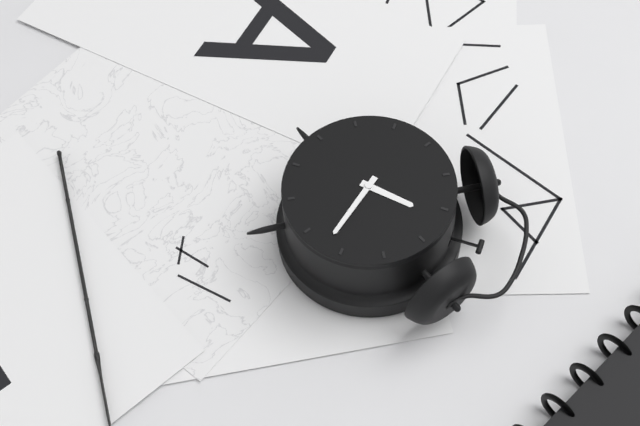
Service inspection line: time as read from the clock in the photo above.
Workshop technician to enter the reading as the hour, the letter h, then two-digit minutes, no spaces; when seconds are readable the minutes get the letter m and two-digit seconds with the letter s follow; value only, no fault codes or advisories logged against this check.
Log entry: 12h17
